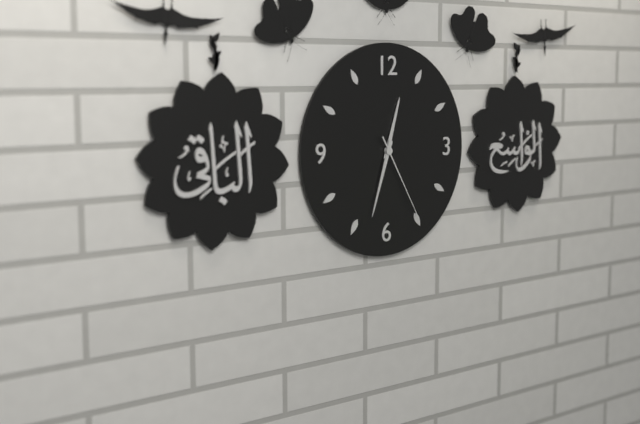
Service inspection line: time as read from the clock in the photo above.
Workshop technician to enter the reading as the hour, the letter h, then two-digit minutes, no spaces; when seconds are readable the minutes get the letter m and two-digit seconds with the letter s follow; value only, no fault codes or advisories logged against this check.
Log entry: 12h33m25s
